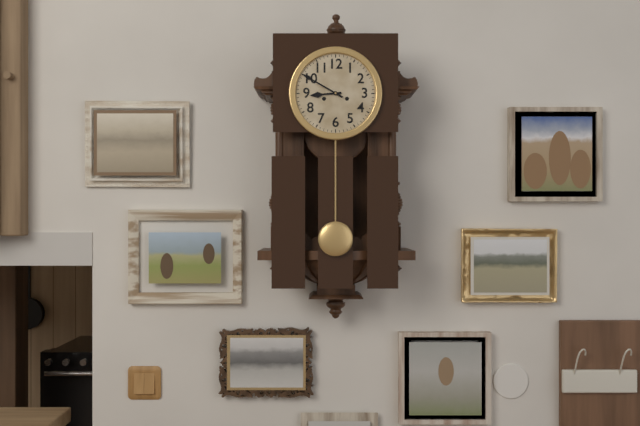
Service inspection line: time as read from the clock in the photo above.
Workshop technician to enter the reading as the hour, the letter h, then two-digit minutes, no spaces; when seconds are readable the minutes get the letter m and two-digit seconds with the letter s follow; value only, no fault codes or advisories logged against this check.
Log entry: 8h50
